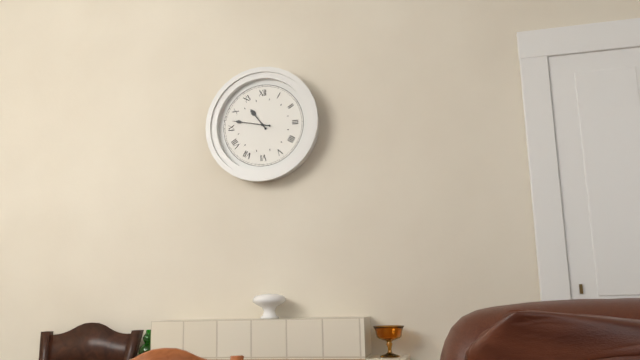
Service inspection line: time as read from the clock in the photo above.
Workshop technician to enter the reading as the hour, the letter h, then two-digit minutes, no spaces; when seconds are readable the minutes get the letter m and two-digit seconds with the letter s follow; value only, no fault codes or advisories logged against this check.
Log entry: 10h47
